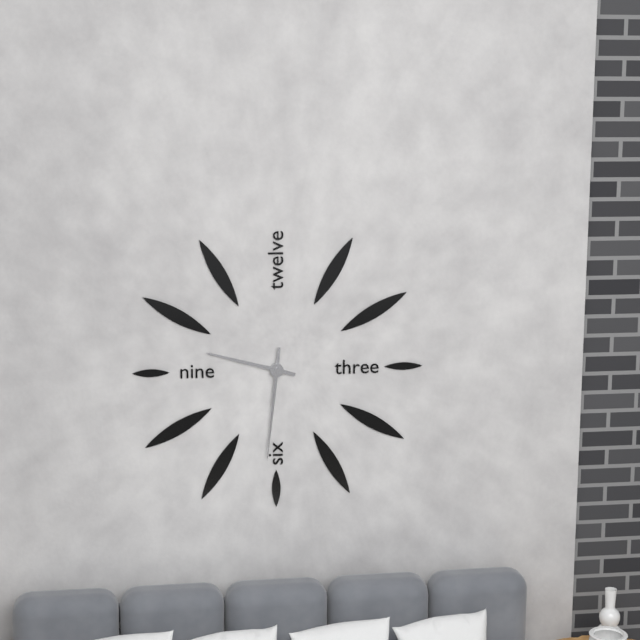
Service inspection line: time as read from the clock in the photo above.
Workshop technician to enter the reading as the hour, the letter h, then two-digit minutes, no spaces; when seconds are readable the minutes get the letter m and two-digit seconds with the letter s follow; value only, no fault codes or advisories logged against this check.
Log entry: 9h31
